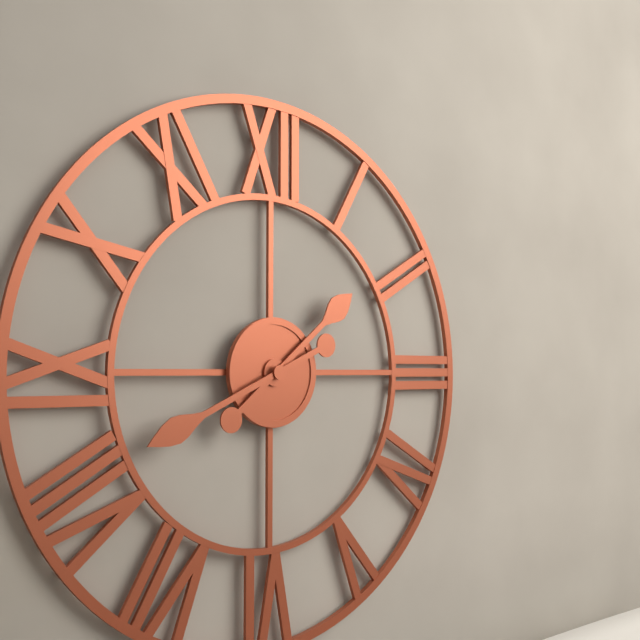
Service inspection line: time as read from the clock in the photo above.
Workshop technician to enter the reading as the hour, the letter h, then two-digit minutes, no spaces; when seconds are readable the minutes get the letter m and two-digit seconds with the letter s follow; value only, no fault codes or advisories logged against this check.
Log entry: 1h41
